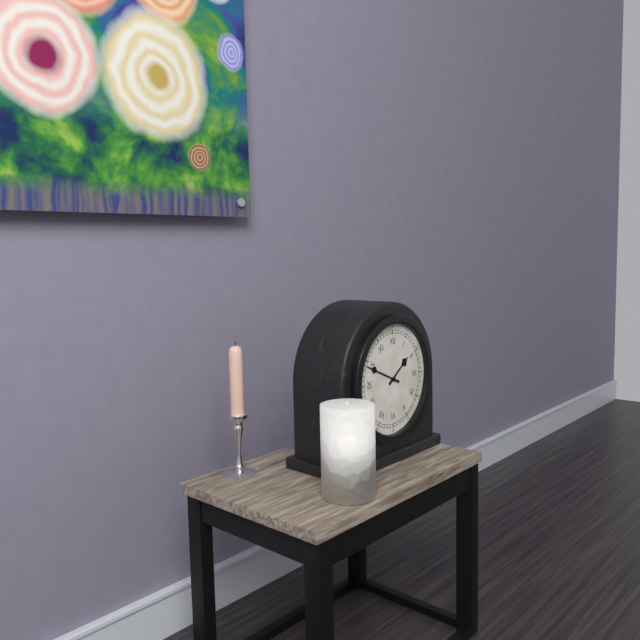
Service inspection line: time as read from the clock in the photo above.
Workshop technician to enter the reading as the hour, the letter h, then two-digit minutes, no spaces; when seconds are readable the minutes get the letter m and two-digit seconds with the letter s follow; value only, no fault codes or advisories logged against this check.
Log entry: 1h49
